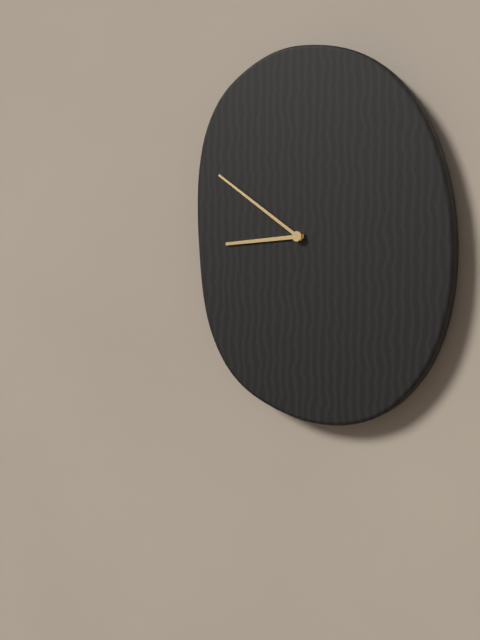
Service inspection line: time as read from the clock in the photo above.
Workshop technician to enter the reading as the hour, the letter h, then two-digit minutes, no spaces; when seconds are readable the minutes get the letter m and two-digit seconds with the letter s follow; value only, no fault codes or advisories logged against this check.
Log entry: 8h51
